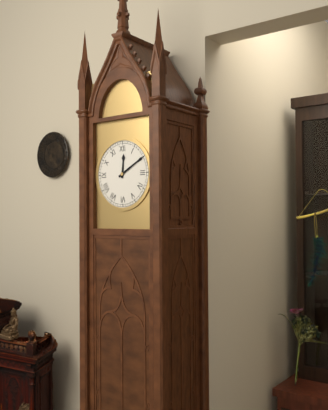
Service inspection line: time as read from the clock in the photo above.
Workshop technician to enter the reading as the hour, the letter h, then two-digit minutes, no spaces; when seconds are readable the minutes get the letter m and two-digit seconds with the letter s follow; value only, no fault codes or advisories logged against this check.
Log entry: 12h10
